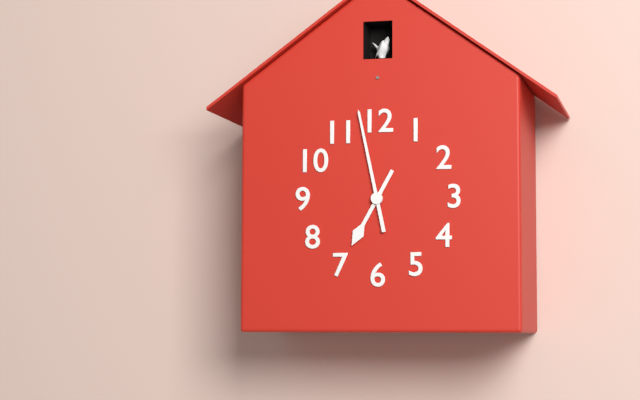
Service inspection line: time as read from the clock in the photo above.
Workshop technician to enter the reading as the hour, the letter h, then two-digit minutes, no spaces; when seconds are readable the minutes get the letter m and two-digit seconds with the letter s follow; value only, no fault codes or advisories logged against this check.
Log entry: 6h58
